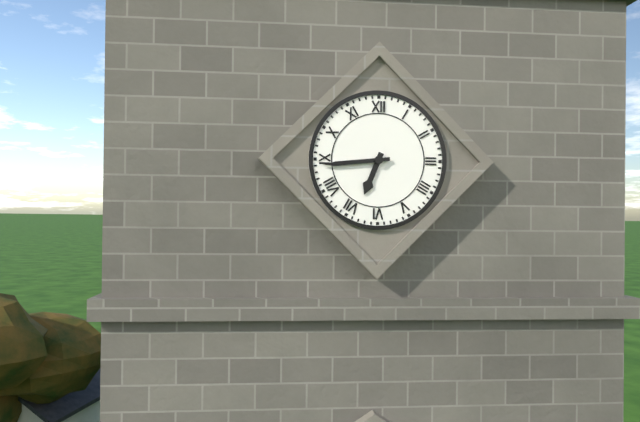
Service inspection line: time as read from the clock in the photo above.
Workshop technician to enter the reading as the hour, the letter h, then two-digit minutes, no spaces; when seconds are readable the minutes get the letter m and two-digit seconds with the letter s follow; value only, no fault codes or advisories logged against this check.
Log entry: 6h44
